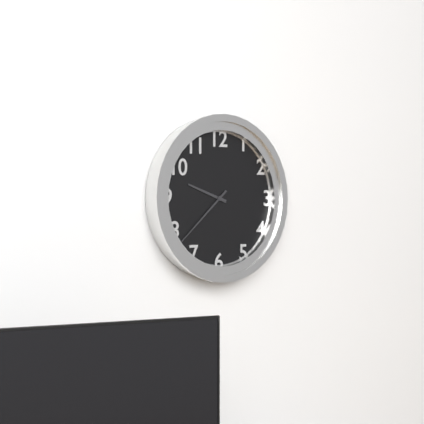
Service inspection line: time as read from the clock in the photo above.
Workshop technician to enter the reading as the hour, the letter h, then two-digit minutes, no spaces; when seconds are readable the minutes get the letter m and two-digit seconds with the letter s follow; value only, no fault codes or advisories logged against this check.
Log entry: 9h38
